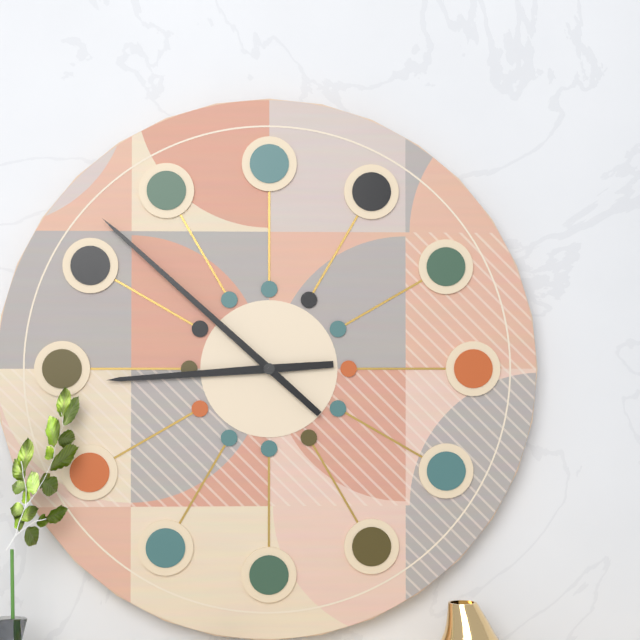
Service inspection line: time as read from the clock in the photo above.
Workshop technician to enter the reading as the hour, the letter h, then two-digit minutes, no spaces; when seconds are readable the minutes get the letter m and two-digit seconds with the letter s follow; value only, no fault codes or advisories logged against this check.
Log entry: 8h52
